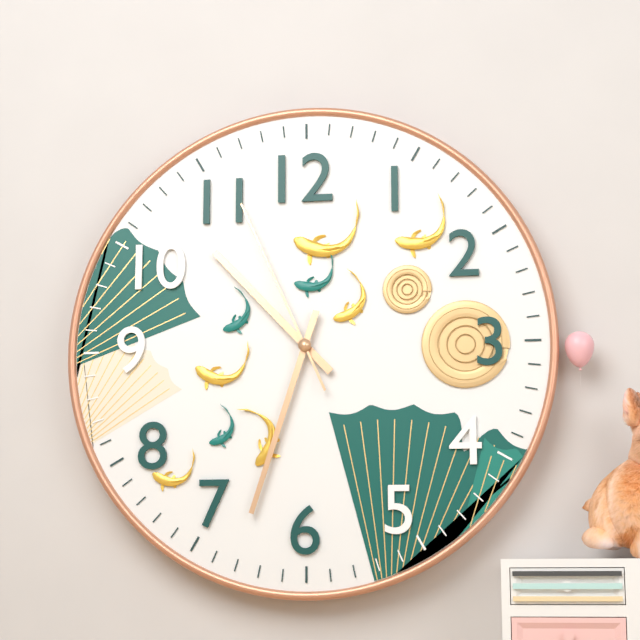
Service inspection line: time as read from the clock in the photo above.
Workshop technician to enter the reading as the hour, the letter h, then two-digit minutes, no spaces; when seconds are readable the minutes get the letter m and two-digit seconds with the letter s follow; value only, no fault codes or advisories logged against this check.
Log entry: 10h33m56s
